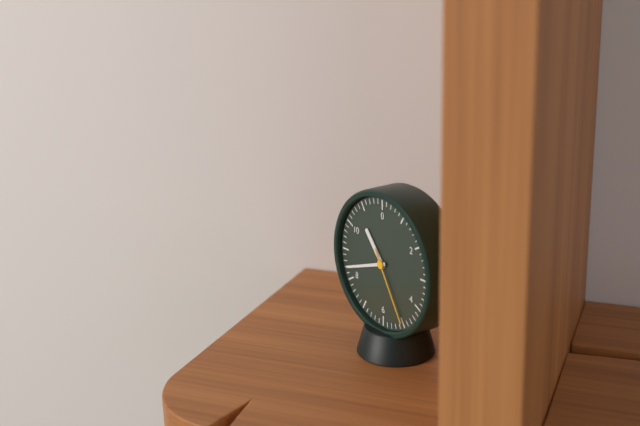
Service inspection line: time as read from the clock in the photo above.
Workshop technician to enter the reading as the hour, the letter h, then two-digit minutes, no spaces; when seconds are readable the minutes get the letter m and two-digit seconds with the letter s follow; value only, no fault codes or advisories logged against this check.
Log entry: 10h42m25s
